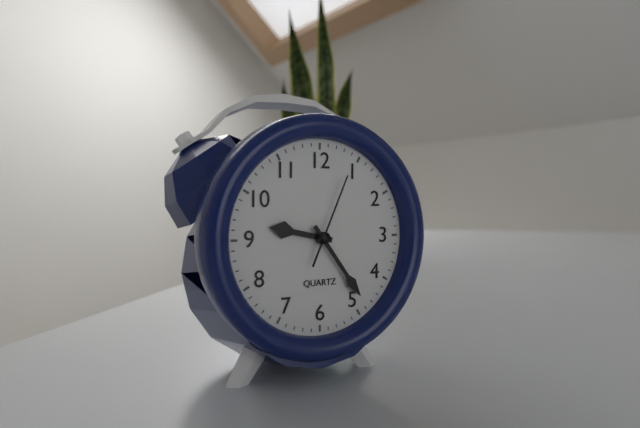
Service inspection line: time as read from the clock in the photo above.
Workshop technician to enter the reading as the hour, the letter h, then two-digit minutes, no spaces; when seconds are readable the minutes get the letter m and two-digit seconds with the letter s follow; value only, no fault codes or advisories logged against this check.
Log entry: 9h24m04s
